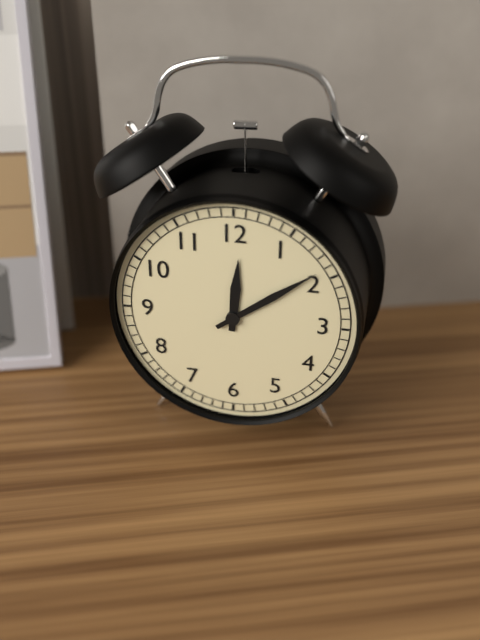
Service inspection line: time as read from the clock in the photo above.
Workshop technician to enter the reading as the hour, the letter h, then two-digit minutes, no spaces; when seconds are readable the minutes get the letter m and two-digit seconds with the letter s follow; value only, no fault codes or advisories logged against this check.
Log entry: 12h09
